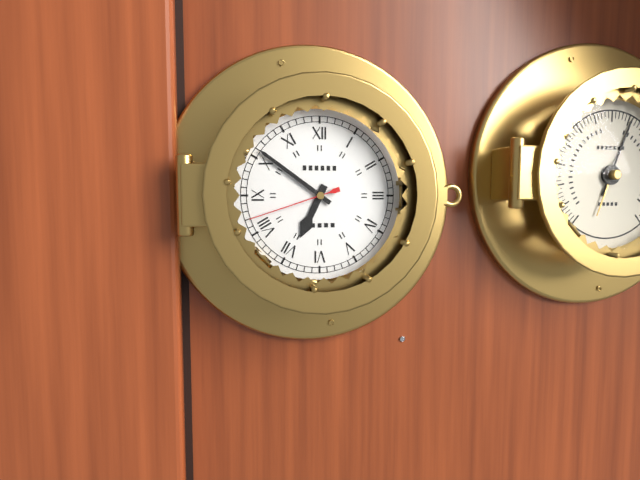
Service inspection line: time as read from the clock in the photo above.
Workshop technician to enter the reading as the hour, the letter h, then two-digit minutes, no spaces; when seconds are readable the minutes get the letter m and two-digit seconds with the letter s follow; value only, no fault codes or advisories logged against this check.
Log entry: 6h51m42s
